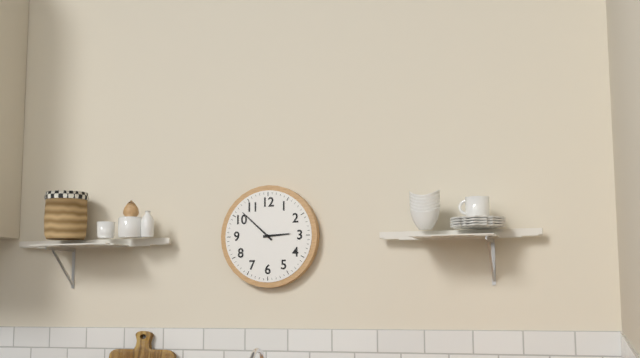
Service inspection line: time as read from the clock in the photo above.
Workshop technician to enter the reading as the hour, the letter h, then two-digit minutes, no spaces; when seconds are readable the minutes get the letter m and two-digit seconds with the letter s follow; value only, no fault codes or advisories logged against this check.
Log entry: 2h52
